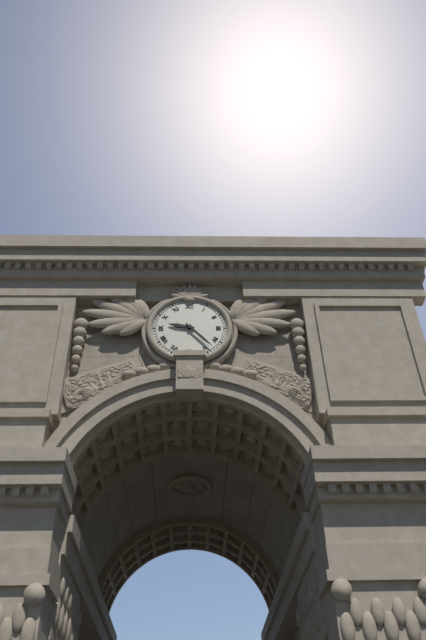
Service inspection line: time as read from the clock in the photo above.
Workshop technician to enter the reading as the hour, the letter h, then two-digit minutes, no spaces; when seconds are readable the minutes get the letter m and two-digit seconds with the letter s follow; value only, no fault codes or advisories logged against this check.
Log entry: 9h23
